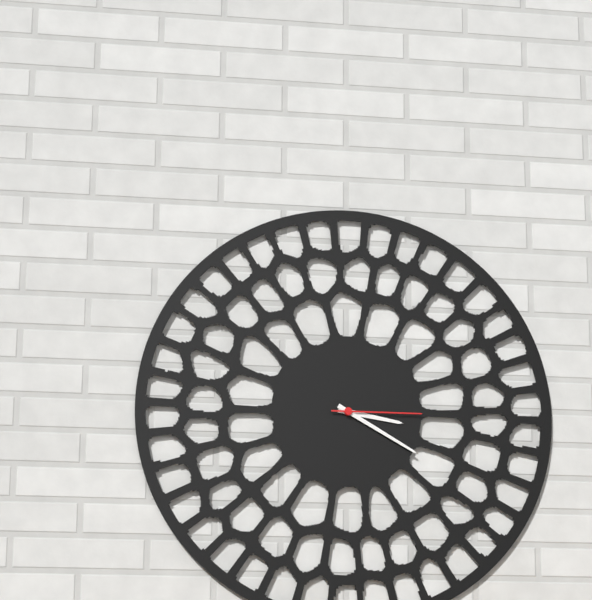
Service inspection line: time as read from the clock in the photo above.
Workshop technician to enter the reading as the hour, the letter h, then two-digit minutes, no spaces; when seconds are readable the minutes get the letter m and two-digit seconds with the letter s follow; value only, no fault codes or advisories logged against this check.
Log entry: 3h20m15s
